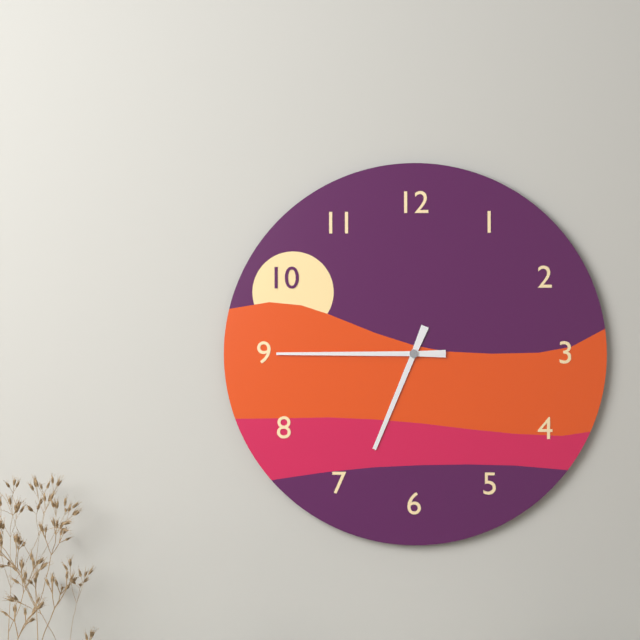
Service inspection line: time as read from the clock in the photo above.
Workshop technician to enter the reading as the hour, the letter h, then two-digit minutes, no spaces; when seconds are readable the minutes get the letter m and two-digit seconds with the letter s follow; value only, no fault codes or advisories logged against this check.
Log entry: 6h45
